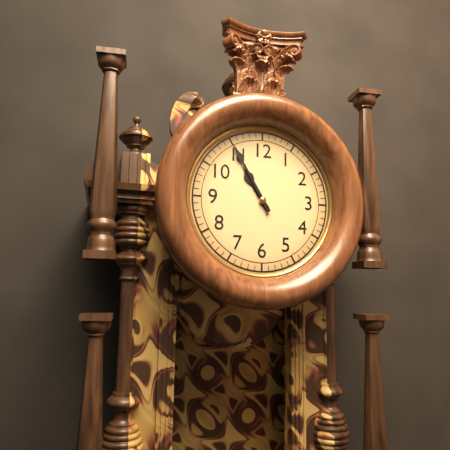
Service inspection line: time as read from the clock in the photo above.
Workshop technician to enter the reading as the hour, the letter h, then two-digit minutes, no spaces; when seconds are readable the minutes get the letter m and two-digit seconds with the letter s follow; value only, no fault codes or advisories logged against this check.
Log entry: 10h55
